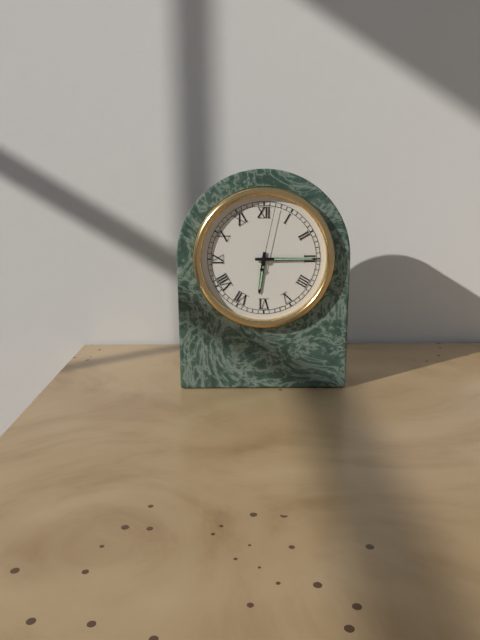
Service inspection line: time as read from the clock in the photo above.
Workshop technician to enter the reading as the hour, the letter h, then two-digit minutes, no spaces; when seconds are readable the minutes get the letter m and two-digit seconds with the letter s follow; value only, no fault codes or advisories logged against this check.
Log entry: 6h15m02s
